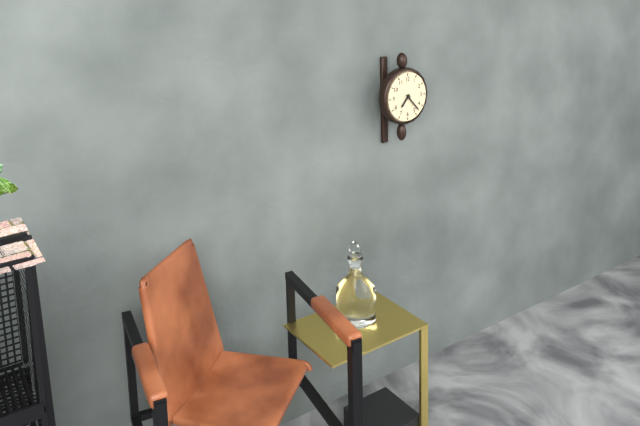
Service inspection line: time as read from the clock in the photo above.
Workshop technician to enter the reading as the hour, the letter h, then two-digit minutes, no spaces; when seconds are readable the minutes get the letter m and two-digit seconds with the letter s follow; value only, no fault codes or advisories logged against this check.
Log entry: 7h23
